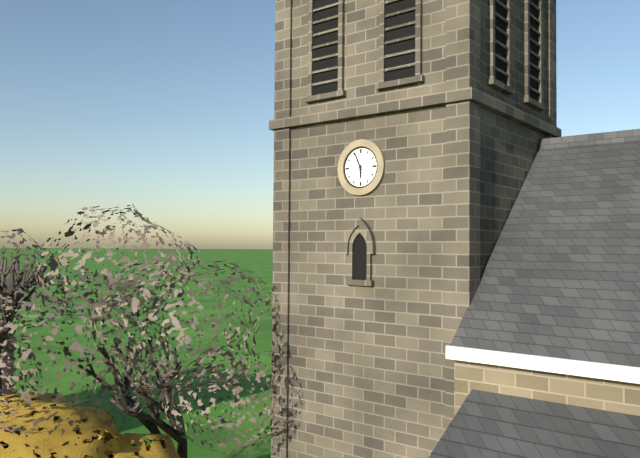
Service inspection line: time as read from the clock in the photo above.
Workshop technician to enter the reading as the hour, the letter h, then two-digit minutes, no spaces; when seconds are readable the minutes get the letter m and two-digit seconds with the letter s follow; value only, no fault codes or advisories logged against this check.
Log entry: 5h56
